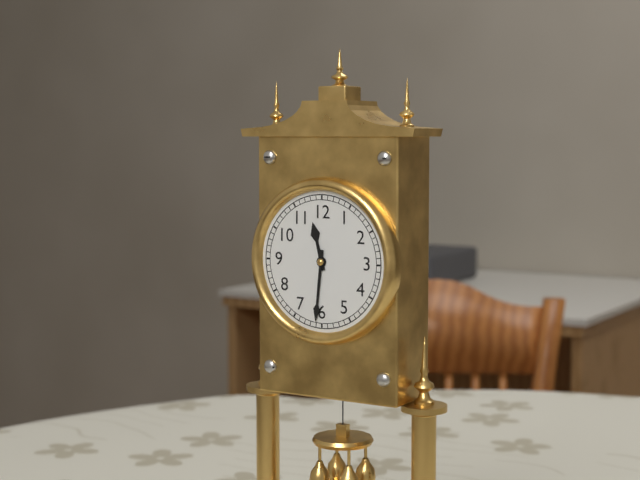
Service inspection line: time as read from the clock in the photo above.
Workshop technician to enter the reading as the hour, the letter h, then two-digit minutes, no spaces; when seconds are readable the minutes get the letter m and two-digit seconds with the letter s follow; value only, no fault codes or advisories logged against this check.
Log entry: 11h31
